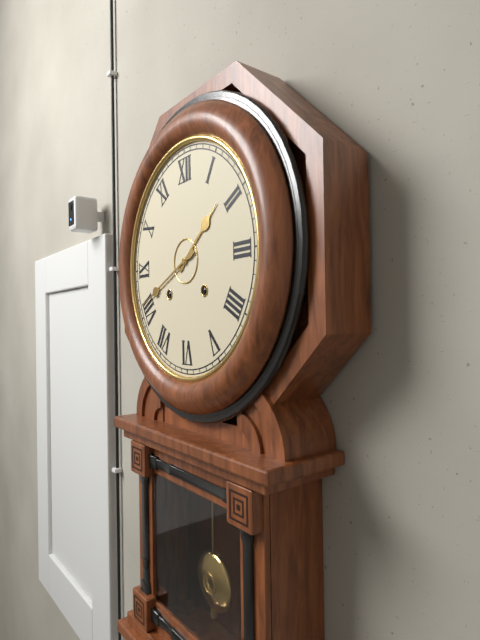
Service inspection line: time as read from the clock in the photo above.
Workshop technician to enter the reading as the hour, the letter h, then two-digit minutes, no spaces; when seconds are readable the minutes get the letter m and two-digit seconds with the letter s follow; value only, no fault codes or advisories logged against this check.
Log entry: 1h41
